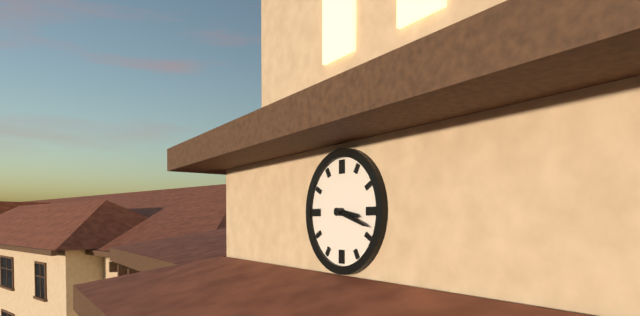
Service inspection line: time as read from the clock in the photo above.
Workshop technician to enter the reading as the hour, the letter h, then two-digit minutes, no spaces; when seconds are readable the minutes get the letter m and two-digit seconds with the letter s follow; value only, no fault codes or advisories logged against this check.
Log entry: 3h18
